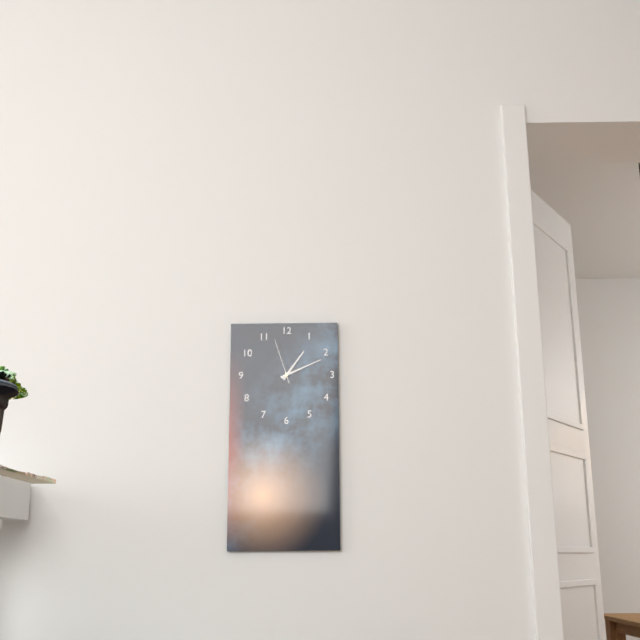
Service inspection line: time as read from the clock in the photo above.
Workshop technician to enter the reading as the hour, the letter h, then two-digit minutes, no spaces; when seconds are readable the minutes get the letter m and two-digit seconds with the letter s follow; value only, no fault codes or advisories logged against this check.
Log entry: 1h11
